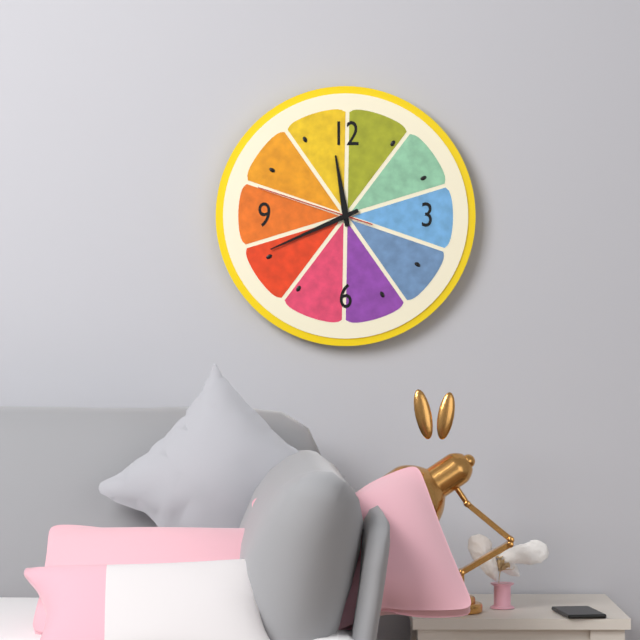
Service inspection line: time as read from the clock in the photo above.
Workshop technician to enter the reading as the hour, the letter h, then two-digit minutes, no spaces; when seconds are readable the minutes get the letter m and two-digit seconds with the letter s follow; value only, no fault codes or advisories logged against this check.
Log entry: 11h41m48s
